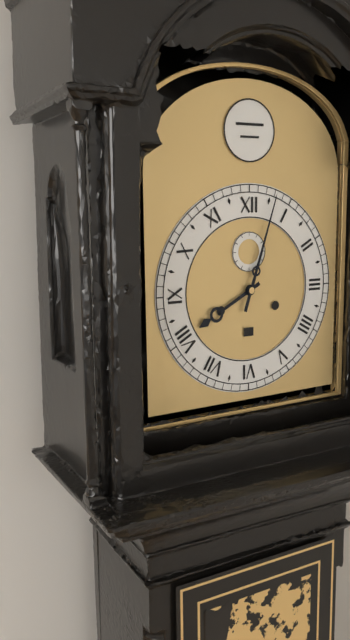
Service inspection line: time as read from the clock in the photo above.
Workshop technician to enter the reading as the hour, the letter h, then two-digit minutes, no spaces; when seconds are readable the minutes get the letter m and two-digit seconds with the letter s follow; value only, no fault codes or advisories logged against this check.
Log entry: 8h03
